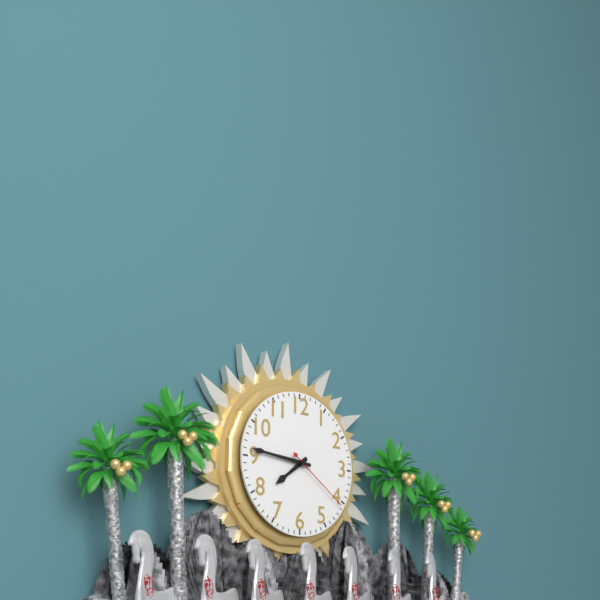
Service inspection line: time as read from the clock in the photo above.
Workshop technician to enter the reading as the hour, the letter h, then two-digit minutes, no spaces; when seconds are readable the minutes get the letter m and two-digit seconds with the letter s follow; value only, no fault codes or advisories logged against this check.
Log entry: 7h46m21s
